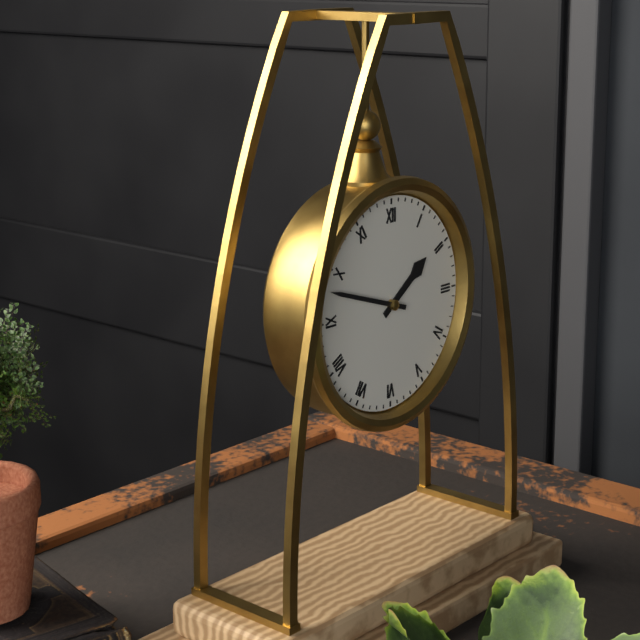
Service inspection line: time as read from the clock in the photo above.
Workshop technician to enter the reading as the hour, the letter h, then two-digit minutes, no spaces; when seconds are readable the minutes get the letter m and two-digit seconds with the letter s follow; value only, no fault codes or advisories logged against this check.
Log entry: 1h48
